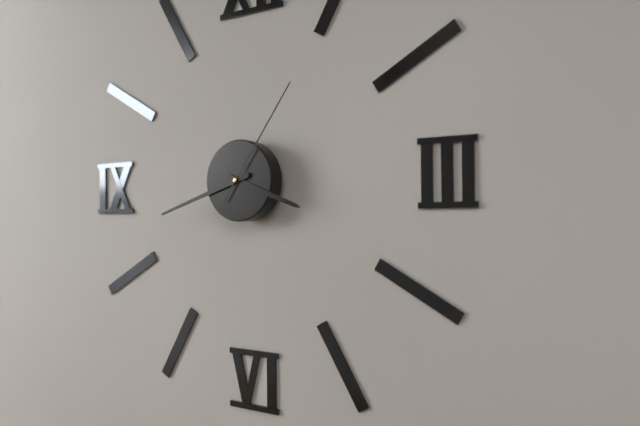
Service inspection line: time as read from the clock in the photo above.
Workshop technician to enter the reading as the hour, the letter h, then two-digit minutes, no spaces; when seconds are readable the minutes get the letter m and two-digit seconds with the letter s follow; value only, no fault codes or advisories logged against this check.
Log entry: 3h42m06s
